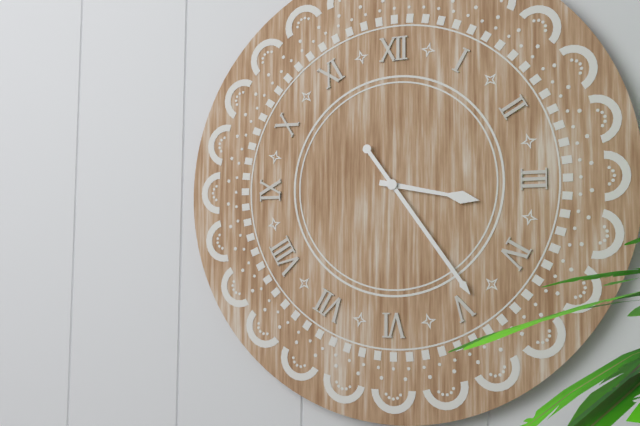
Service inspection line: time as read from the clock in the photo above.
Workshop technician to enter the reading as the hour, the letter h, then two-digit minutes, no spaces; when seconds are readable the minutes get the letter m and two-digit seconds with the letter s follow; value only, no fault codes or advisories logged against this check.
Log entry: 3h24
